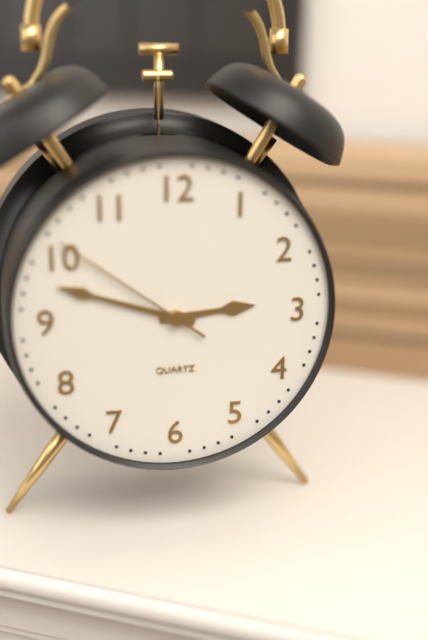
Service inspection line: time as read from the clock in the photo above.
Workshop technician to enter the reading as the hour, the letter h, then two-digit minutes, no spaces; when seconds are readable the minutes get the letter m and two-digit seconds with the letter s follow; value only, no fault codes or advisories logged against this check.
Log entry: 2h48m51s
